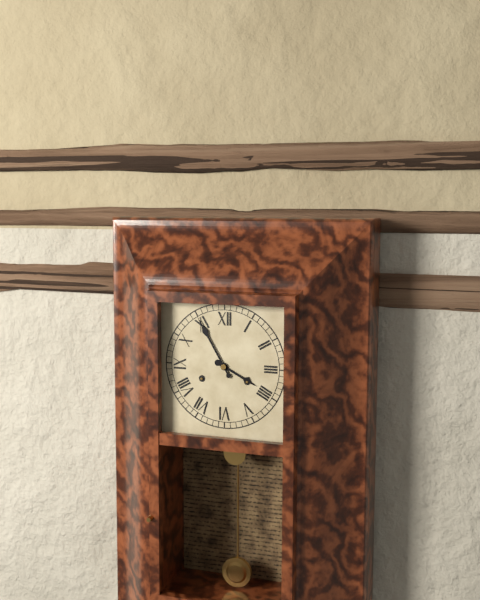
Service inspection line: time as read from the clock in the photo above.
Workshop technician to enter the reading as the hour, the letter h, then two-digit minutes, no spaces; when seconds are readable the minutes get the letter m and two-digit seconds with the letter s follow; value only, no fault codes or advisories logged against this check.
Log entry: 3h55
